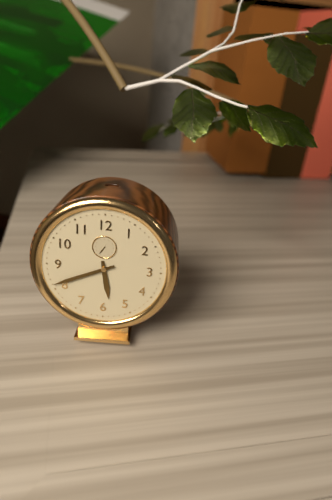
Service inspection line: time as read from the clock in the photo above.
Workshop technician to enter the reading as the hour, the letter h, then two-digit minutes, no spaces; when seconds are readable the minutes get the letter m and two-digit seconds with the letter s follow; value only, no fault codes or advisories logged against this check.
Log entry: 5h41
